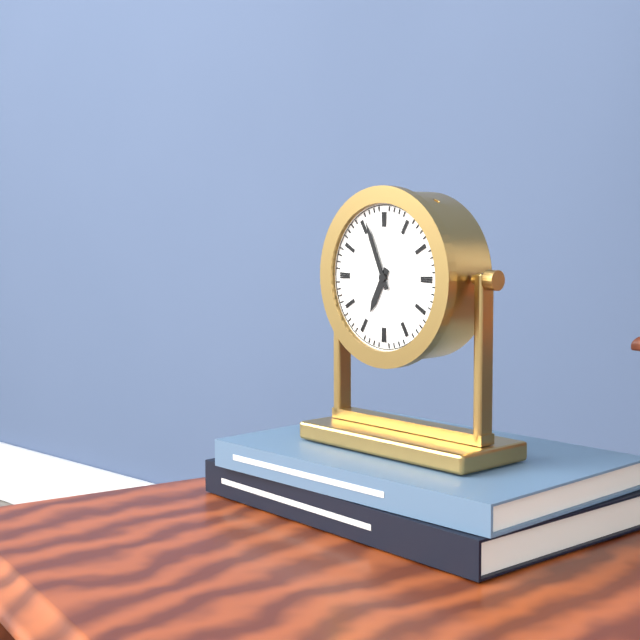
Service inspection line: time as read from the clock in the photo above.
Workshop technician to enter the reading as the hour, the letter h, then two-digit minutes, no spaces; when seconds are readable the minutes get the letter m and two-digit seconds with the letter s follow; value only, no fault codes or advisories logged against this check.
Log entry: 6h56
